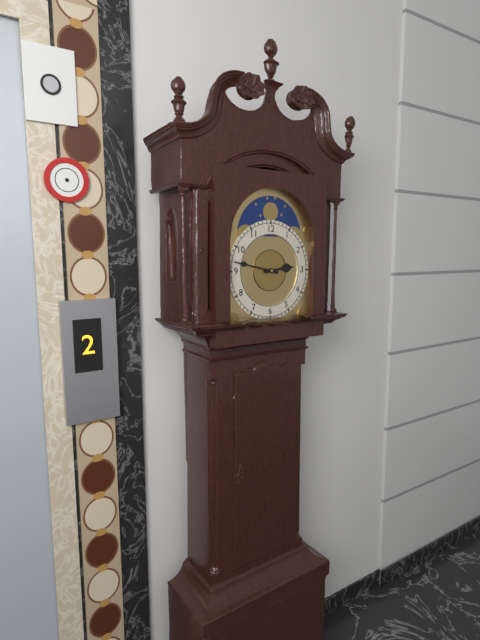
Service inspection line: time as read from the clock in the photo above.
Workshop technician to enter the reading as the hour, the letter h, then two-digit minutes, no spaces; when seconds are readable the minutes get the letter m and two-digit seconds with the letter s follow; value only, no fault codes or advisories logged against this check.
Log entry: 2h47
